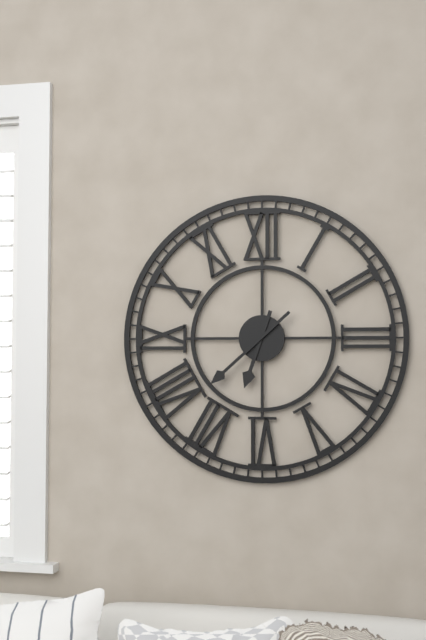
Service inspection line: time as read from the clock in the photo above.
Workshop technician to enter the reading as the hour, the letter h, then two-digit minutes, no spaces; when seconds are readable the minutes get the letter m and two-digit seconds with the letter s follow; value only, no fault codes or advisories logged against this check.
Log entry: 6h38
